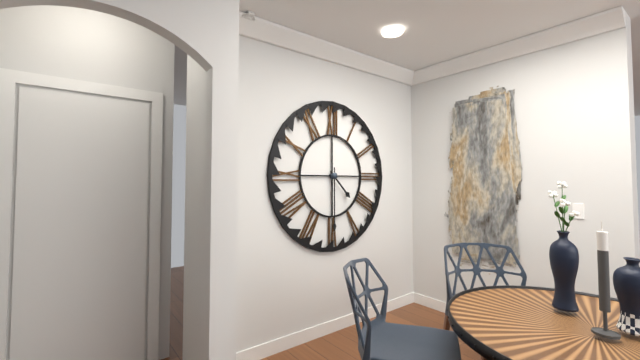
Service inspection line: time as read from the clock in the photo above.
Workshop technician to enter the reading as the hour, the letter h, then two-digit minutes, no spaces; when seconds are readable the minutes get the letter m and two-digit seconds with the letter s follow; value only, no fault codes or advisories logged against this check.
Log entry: 4h30
